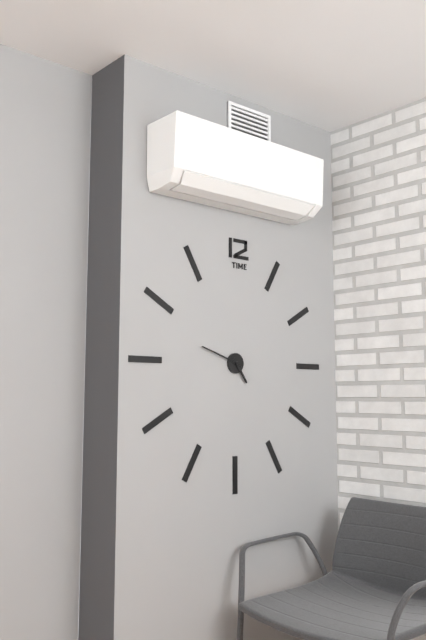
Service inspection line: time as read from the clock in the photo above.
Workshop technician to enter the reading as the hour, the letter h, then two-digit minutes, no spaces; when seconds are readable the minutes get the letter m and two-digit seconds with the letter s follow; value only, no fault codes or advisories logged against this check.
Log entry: 4h48
